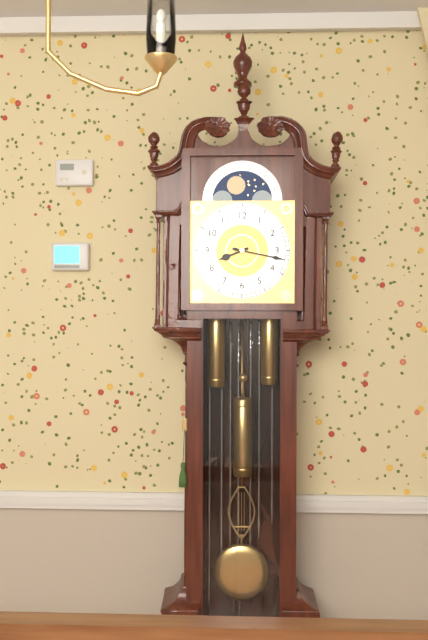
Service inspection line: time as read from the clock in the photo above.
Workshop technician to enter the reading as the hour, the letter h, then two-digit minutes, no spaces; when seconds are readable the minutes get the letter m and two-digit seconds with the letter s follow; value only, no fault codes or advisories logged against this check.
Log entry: 8h17
